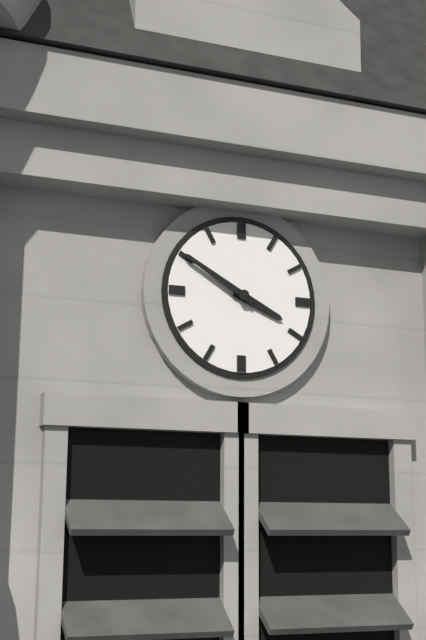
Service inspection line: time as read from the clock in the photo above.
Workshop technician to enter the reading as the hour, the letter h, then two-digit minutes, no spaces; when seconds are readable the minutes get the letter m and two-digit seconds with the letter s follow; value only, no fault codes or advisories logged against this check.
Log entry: 3h50
